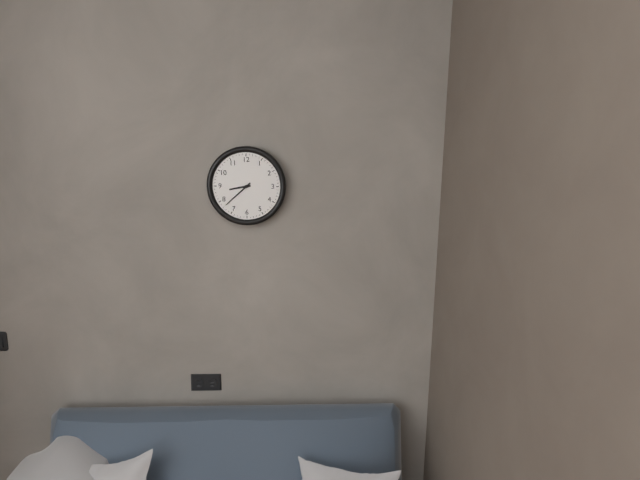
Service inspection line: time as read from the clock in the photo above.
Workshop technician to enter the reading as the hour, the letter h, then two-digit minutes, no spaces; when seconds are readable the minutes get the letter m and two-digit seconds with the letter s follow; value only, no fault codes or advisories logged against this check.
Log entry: 8h38
